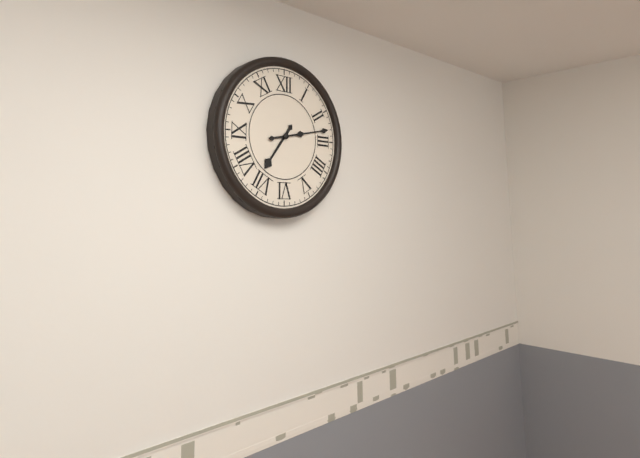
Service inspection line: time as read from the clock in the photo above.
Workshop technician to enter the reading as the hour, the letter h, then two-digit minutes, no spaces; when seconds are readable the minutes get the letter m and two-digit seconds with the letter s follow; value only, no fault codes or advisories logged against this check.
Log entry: 7h13
